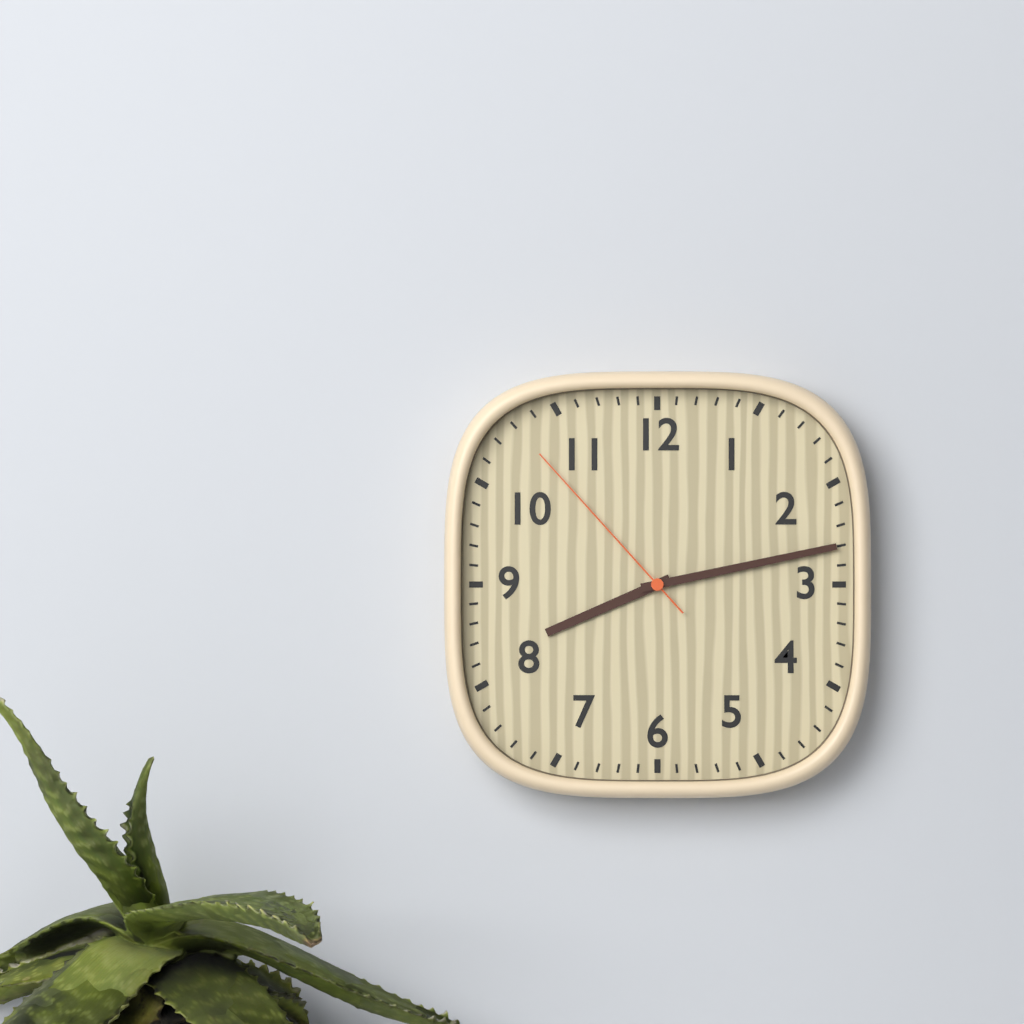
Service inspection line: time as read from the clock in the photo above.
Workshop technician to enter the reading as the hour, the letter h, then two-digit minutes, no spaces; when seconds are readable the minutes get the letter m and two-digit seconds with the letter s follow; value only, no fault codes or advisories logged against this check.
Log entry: 8h13m53s
